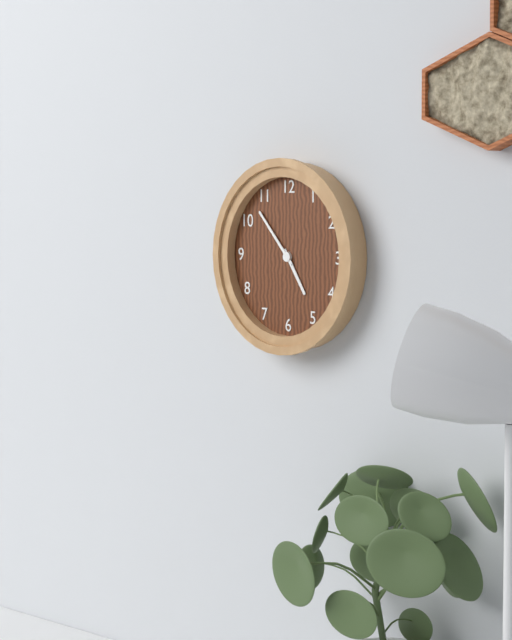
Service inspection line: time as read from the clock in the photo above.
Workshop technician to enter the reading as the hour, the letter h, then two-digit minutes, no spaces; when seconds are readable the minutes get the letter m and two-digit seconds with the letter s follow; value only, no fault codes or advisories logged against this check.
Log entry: 4h53
